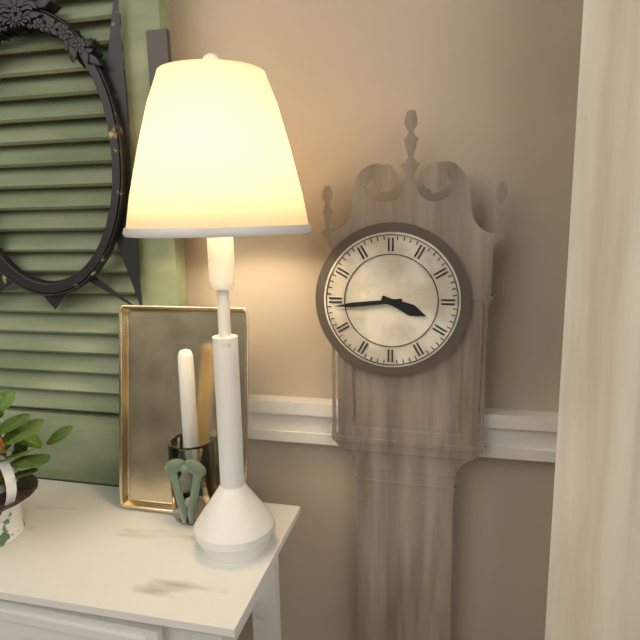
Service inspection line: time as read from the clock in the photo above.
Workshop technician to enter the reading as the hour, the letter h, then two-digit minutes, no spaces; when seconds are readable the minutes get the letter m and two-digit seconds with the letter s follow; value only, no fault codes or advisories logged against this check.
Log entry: 3h44
